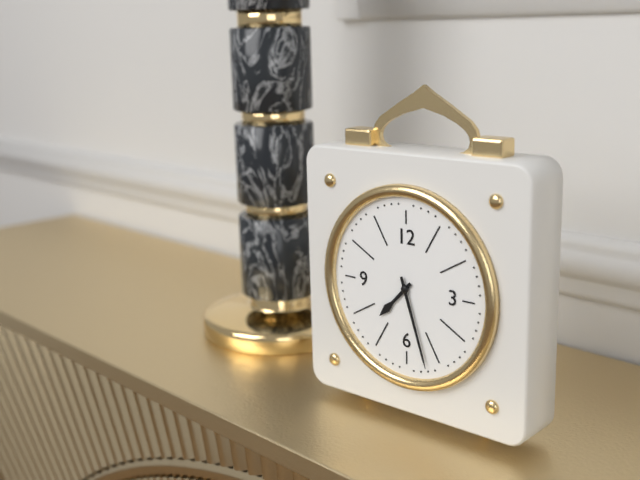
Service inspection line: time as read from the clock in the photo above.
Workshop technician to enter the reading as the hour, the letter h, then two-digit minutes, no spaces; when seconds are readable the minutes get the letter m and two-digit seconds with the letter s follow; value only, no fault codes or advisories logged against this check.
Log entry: 7h27
